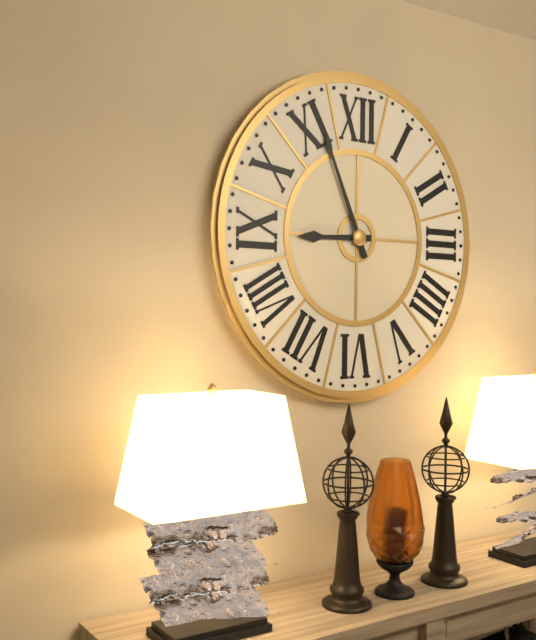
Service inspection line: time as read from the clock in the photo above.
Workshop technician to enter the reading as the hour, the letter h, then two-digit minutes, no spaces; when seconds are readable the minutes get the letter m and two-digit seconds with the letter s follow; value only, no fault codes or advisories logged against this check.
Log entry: 8h56
